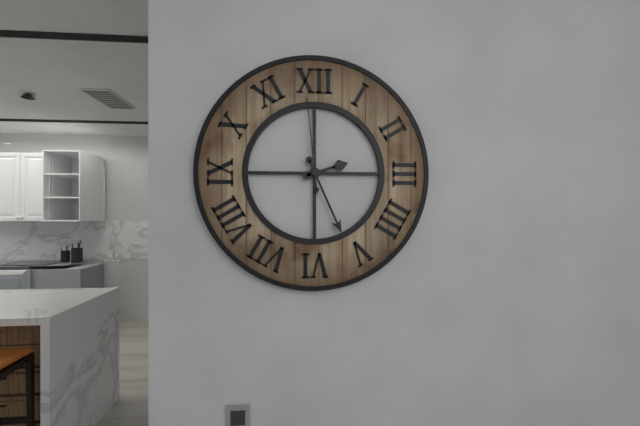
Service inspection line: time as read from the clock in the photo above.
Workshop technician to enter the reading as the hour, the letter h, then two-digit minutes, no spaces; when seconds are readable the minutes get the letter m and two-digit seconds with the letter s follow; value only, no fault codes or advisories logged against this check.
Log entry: 2h26m59s
